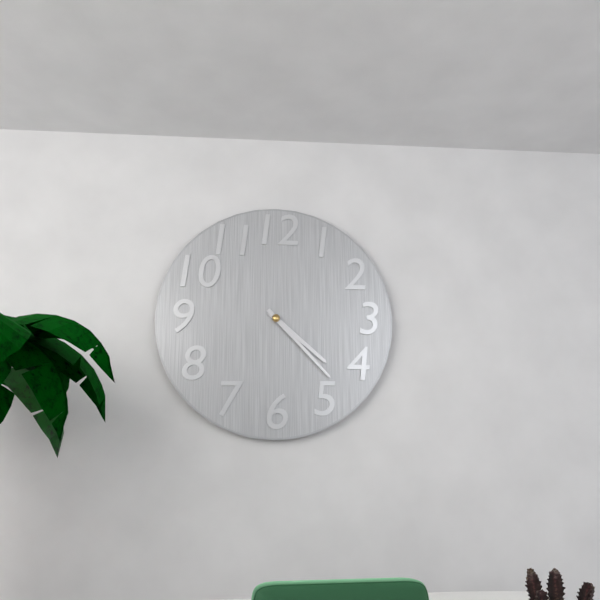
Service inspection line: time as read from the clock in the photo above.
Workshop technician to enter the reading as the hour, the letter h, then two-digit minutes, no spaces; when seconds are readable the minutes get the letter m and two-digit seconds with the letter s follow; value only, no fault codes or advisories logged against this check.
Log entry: 4h23
